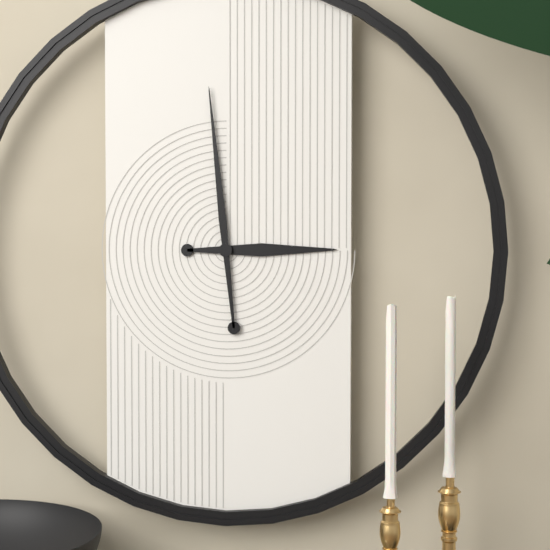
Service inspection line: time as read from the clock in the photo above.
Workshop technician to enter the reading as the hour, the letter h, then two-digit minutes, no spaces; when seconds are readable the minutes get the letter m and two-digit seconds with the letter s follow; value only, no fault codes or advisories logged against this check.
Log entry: 2h59
